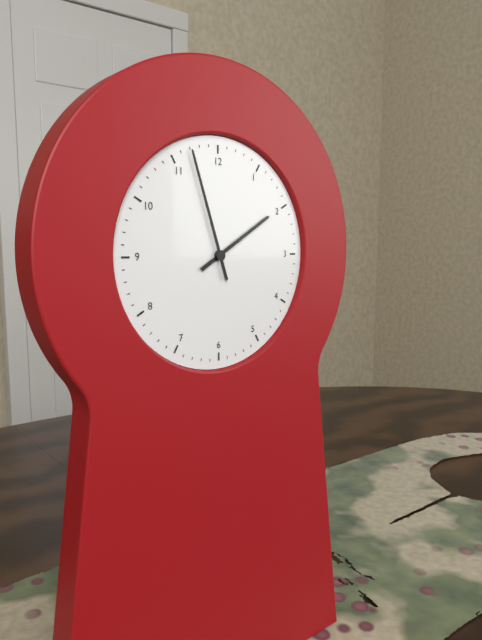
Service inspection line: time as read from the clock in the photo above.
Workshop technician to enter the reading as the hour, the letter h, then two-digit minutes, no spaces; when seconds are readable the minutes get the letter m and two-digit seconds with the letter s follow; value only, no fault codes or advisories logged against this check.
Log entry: 1h57
